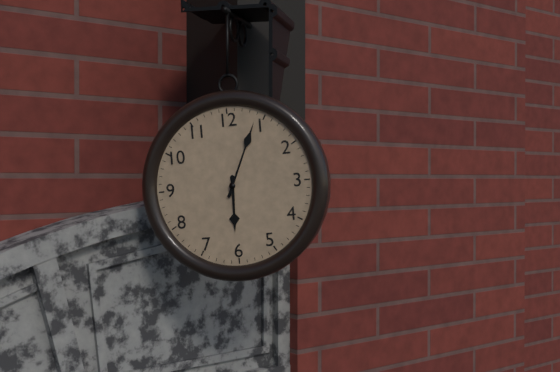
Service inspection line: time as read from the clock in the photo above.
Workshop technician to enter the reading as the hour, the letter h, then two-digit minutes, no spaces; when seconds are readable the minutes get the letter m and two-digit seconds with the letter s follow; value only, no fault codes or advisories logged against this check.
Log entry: 6h04
